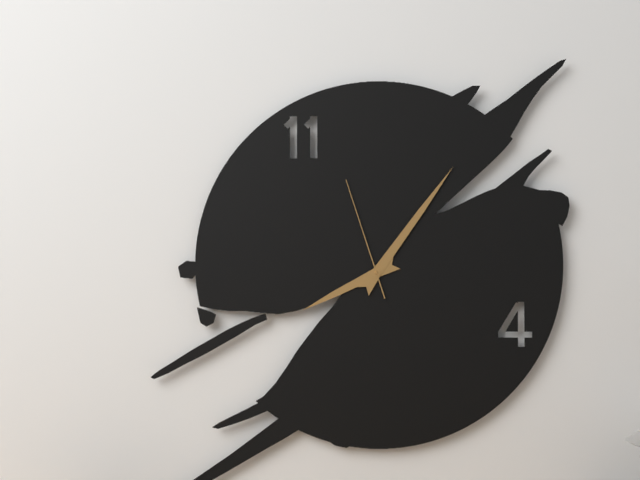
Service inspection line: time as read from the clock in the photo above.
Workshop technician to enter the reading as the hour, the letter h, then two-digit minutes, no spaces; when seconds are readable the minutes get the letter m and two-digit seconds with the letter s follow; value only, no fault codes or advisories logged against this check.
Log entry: 8h06m57s
